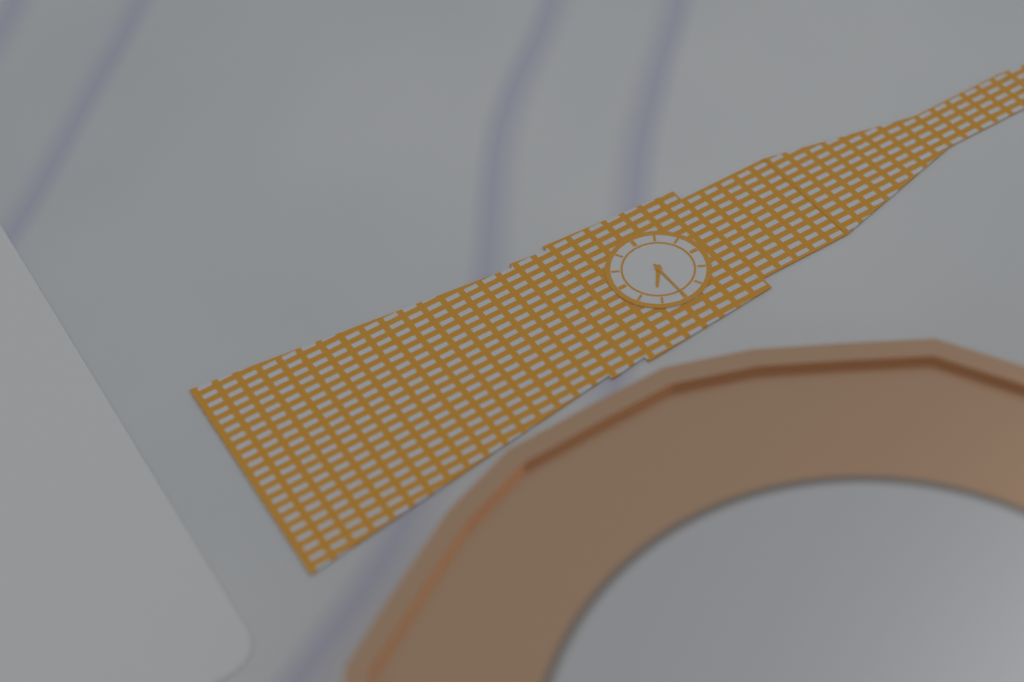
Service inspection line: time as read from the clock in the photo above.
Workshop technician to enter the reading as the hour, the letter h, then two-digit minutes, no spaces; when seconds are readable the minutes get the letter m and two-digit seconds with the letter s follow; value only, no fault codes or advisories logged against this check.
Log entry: 4h15
